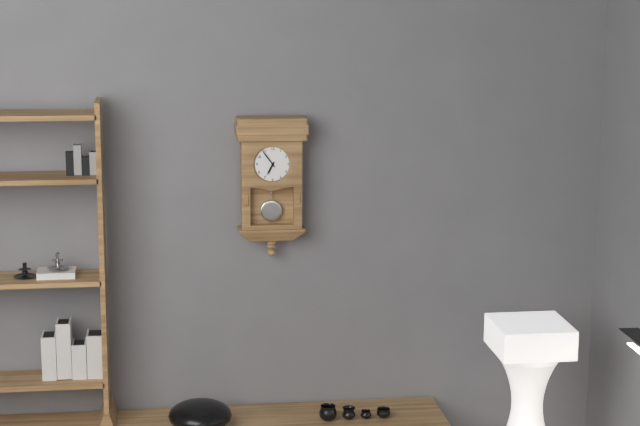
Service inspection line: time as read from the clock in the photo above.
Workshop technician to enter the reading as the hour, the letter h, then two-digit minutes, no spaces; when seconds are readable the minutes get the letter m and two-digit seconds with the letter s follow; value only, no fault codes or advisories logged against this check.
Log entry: 6h54
